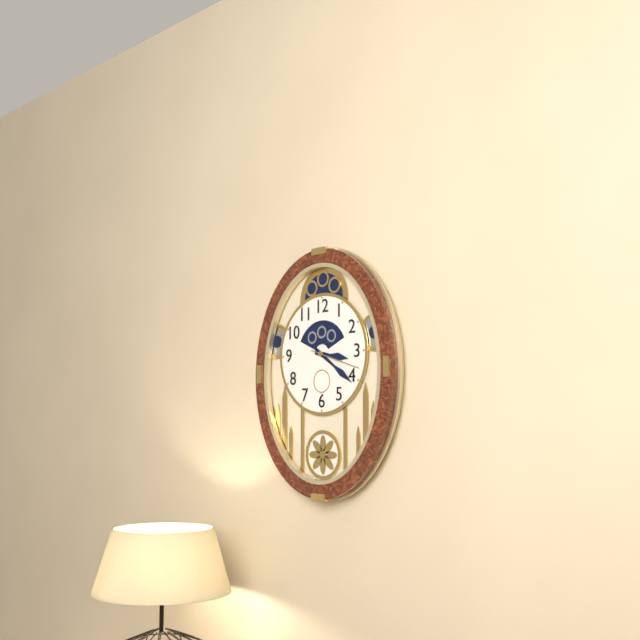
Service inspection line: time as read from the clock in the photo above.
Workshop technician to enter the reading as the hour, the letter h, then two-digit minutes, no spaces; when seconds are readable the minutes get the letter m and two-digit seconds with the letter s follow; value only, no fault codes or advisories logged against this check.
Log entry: 3h21
